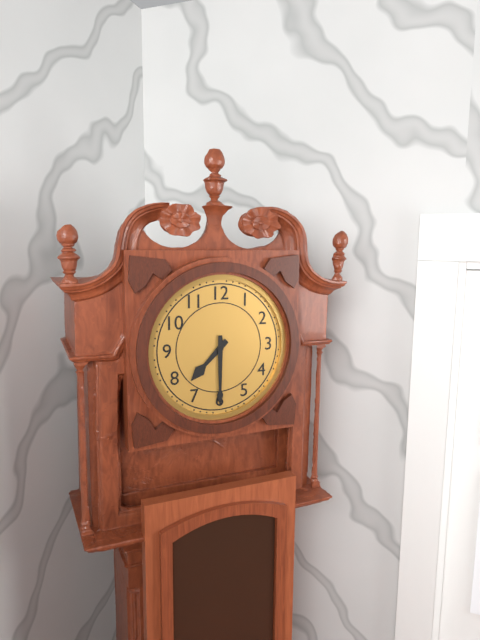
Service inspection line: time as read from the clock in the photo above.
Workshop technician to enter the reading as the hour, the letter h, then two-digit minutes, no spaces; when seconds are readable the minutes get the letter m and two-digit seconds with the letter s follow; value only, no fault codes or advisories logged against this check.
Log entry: 7h30
